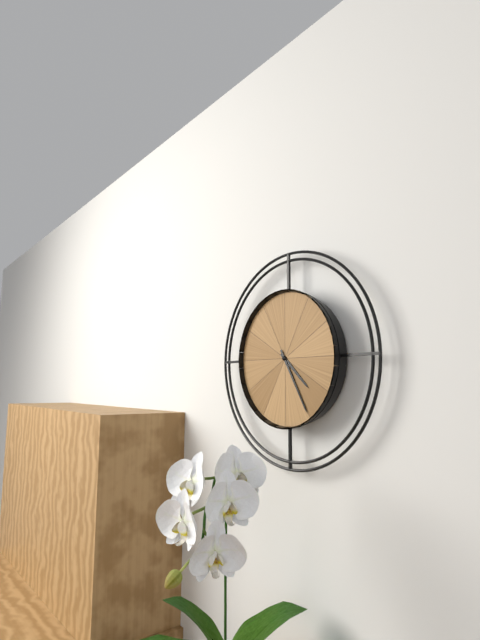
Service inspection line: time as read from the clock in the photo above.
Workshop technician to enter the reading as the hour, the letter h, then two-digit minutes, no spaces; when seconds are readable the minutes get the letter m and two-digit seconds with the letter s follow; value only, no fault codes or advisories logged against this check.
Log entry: 4h25
